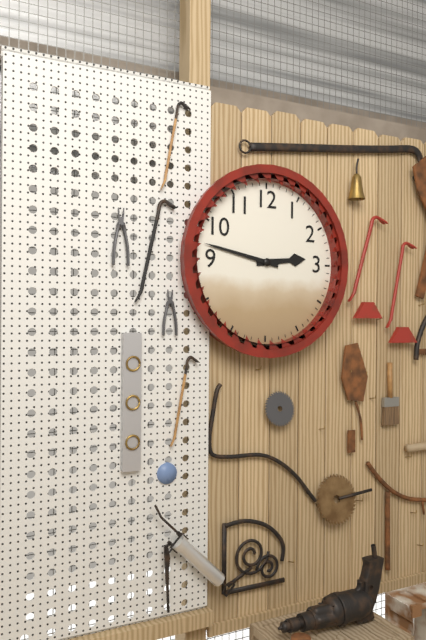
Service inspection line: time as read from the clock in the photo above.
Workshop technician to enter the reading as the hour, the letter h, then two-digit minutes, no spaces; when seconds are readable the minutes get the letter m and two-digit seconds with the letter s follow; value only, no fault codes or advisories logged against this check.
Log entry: 2h47
